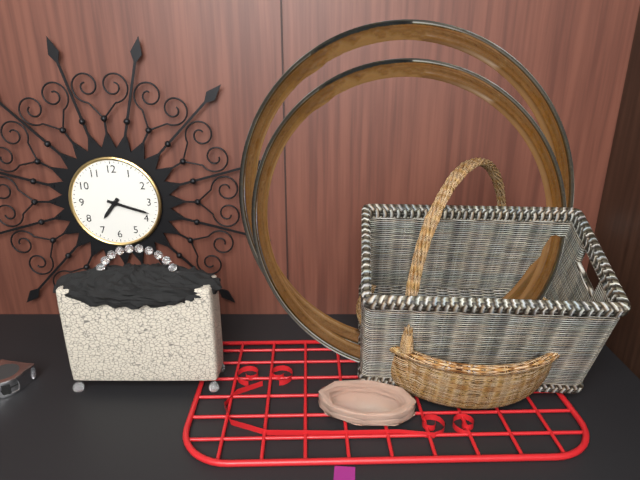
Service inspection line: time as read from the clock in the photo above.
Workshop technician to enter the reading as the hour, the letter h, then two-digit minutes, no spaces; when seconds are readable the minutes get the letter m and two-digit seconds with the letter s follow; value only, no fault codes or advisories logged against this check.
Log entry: 7h18
